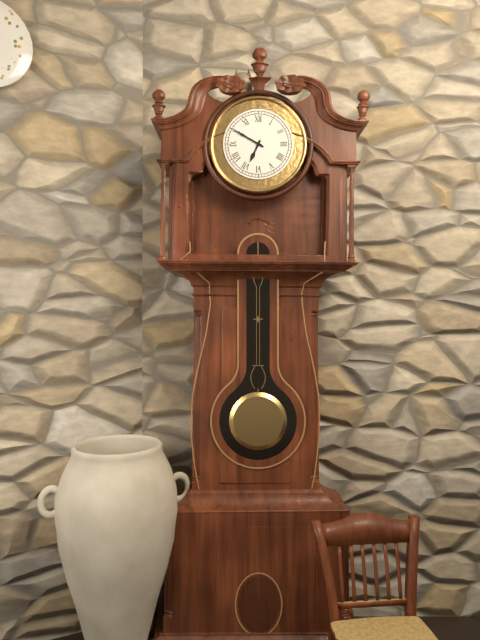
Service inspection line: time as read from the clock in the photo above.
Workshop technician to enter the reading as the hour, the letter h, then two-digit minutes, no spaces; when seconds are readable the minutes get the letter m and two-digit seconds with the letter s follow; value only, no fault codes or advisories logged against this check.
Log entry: 6h50
